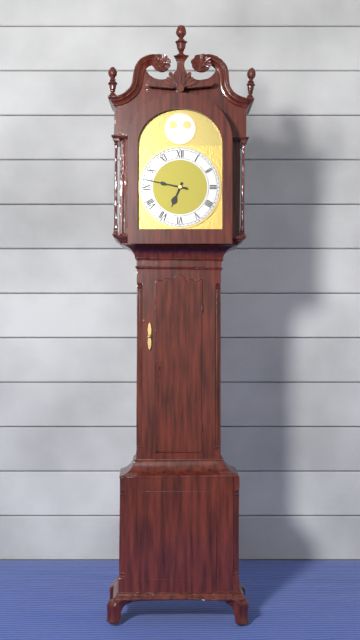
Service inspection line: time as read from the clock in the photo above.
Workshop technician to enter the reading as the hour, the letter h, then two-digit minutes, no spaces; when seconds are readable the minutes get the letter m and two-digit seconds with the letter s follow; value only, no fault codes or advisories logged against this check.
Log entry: 6h47
